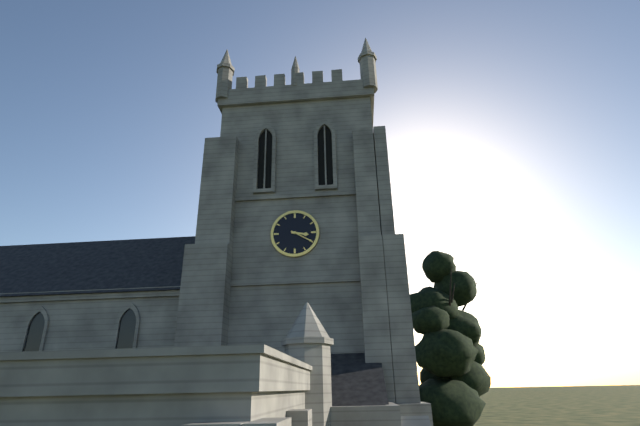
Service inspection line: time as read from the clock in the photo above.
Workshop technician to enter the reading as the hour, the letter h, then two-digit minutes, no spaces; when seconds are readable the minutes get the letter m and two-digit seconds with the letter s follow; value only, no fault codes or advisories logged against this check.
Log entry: 3h20
